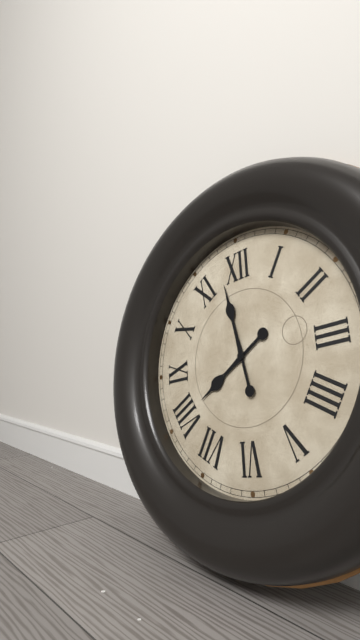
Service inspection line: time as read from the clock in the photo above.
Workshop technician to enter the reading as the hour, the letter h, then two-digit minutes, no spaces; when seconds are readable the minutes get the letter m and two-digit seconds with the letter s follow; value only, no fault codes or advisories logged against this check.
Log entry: 7h58
